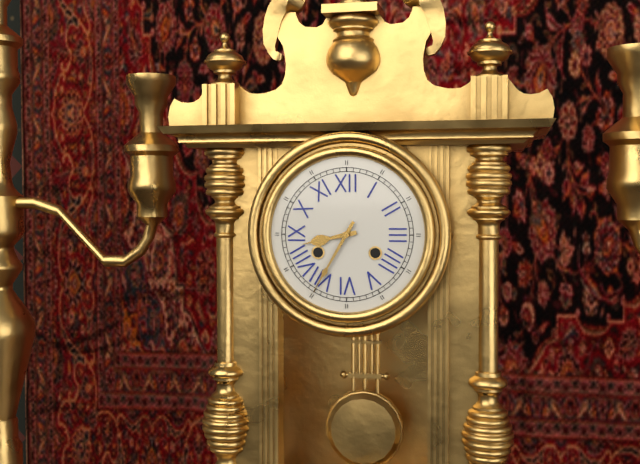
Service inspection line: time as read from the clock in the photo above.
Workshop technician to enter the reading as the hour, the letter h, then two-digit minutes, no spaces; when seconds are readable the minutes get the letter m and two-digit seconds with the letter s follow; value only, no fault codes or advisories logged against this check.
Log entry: 8h35
